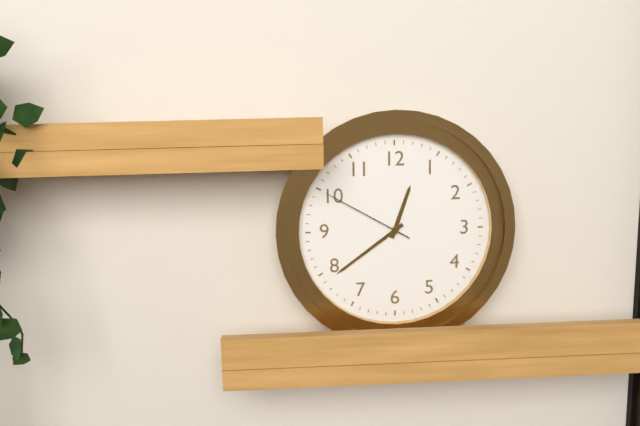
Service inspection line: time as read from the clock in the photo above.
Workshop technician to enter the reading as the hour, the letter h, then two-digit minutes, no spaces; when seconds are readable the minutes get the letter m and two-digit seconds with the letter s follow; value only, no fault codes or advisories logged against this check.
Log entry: 12h39m50s
